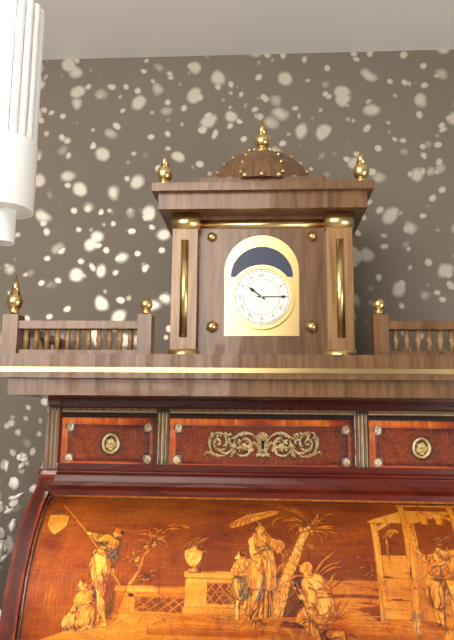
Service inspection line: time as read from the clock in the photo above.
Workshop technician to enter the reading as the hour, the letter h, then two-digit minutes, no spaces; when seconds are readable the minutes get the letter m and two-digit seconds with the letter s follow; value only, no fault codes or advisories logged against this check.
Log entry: 10h15
